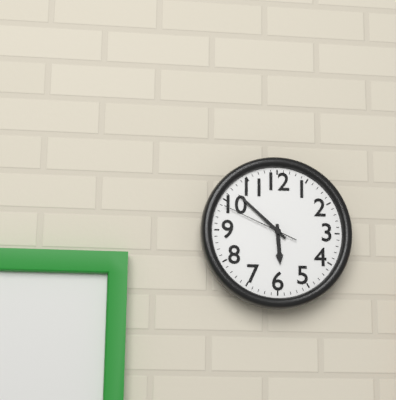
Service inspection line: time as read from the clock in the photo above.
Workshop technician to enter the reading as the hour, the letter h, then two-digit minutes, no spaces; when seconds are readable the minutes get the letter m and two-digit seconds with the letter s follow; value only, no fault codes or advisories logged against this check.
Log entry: 5h52m49s
